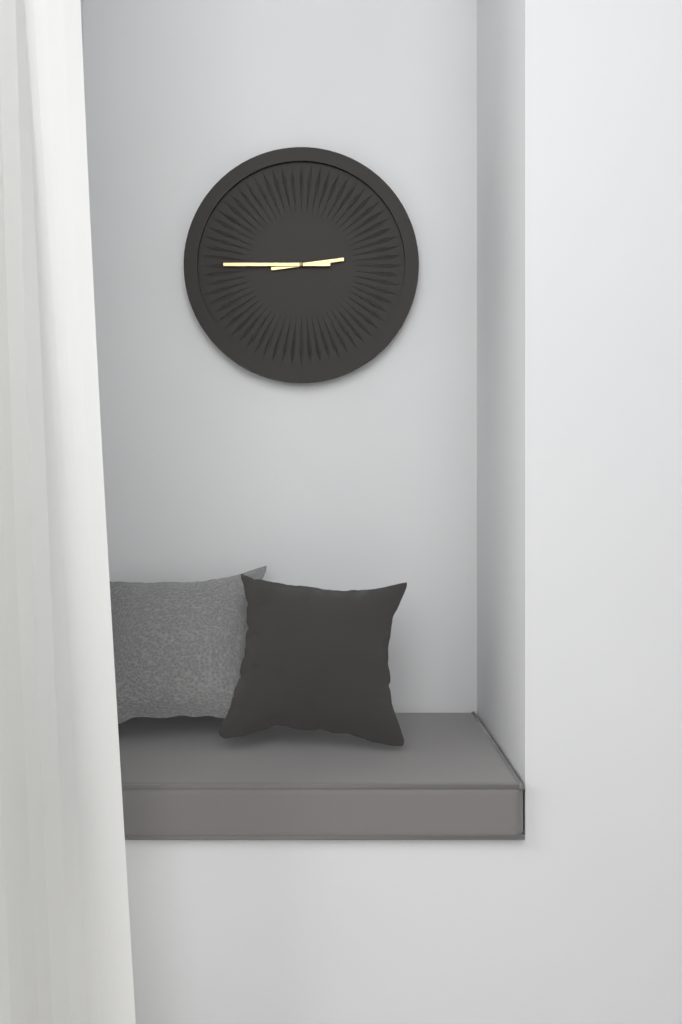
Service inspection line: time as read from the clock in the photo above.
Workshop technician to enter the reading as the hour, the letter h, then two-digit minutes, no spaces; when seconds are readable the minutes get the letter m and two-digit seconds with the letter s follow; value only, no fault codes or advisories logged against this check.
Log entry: 2h45
